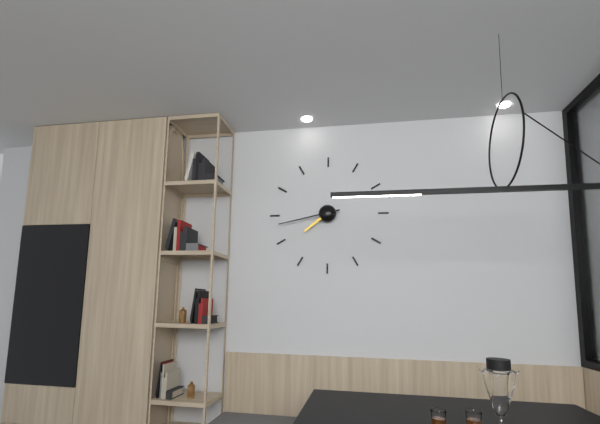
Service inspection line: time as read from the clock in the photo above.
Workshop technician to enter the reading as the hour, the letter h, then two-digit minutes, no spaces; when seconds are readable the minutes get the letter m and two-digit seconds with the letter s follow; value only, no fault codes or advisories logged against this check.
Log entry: 7h43
